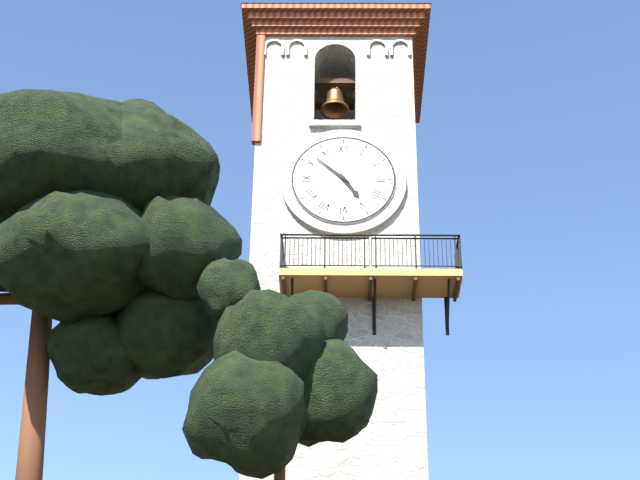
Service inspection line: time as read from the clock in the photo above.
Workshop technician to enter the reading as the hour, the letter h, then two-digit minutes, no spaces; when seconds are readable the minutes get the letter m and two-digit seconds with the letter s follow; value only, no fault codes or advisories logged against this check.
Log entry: 4h52
